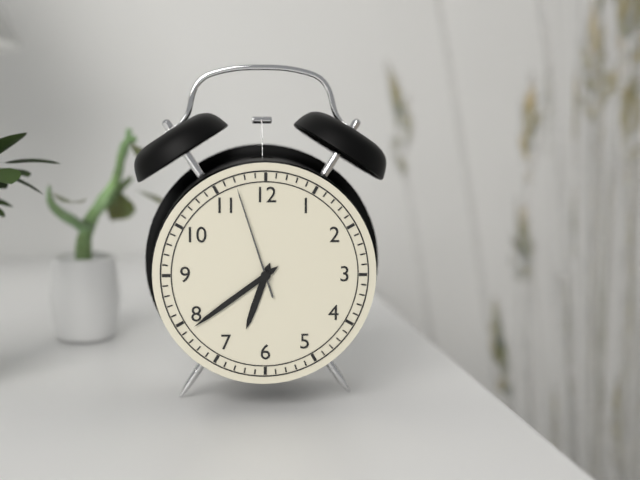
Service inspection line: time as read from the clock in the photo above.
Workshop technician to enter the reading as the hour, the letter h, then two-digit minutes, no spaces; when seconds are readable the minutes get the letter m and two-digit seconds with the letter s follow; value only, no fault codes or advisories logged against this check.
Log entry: 6h39m57s
